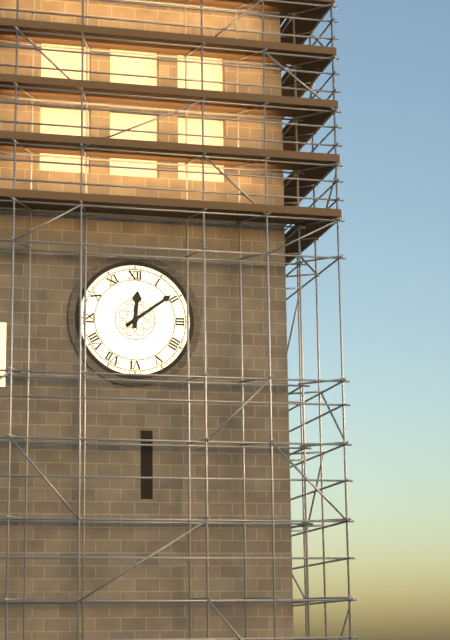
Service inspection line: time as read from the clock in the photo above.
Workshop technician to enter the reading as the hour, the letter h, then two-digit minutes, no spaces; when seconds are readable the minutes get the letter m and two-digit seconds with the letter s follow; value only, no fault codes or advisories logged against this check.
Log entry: 12h09
